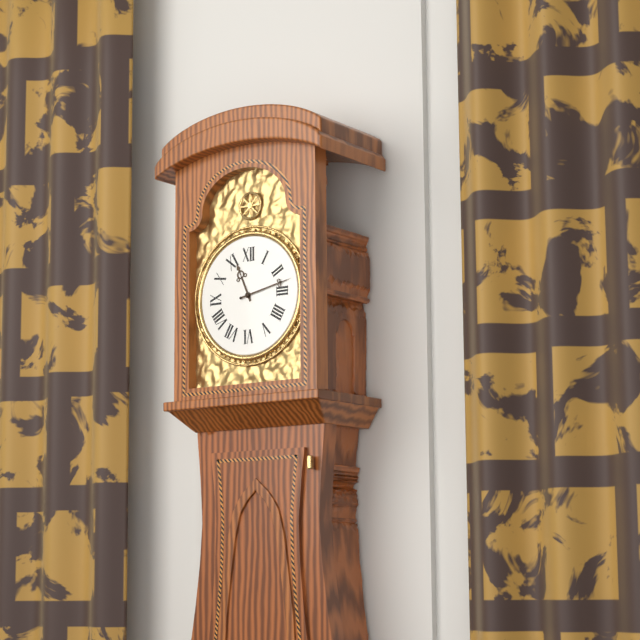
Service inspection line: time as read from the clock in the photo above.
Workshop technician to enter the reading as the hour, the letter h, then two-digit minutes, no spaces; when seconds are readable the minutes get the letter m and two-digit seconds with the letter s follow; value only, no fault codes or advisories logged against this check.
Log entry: 11h13
